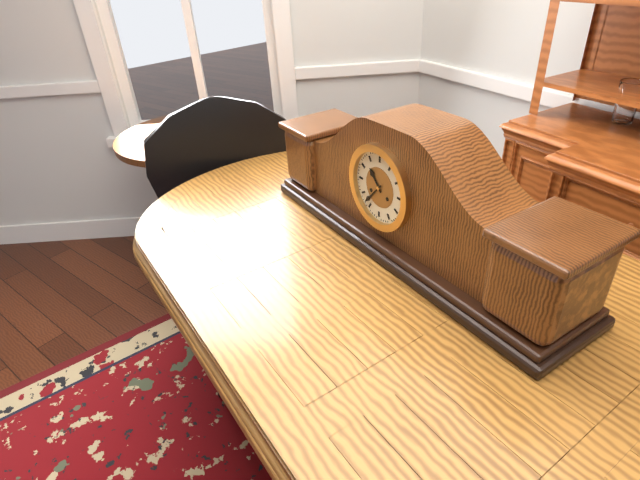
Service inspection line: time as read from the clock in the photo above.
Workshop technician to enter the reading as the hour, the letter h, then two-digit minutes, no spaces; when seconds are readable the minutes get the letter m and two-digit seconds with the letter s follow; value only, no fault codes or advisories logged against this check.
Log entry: 10h37
